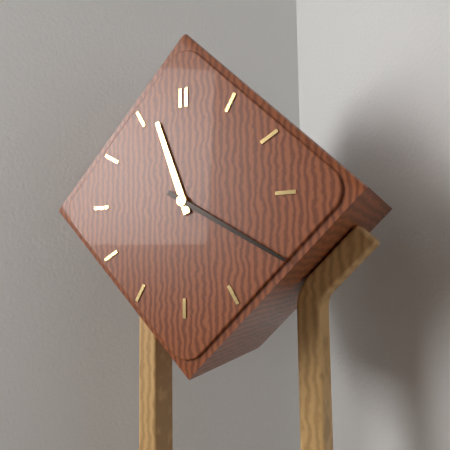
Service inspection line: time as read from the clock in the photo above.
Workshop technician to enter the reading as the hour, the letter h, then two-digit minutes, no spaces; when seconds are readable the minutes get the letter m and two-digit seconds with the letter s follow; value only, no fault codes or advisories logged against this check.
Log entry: 11h20
